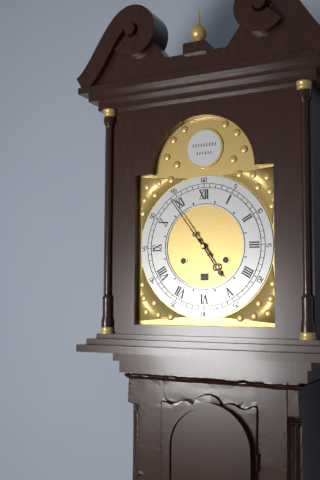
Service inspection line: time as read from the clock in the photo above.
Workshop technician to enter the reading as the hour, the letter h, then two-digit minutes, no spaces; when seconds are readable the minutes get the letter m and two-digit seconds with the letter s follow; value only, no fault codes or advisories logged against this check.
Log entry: 4h54
